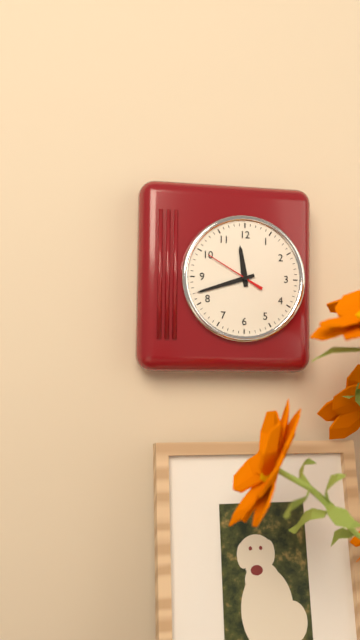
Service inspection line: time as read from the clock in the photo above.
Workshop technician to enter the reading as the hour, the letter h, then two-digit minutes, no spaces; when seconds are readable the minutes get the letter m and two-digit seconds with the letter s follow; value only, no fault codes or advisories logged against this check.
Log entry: 11h42m50s
